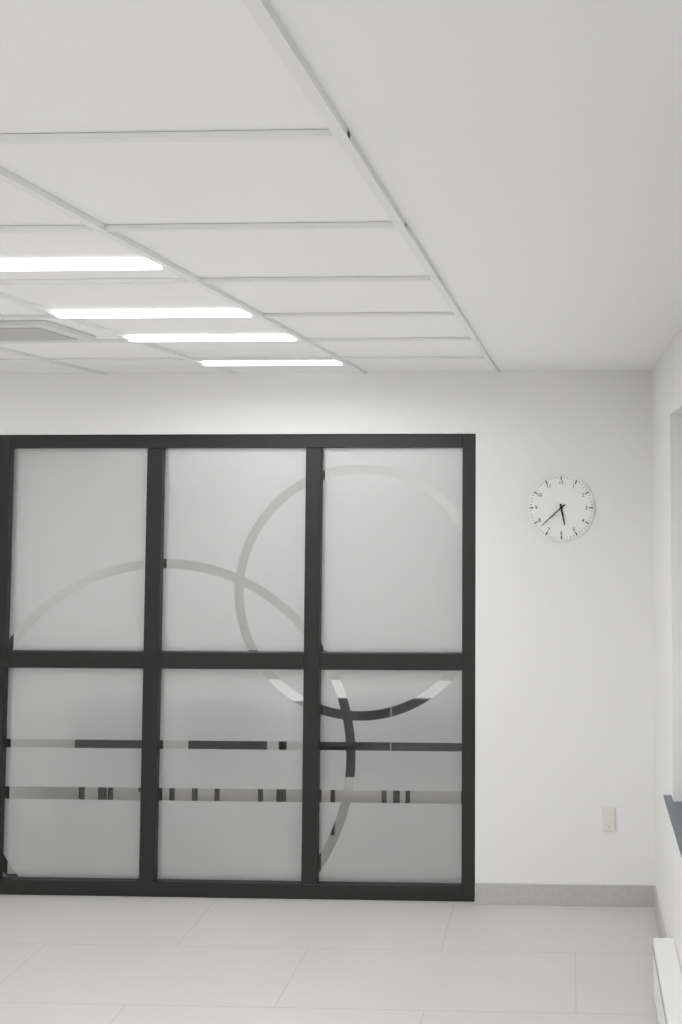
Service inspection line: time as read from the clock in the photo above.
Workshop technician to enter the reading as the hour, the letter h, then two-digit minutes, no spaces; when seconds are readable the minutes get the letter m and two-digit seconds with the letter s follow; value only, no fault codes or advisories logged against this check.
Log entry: 5h38
